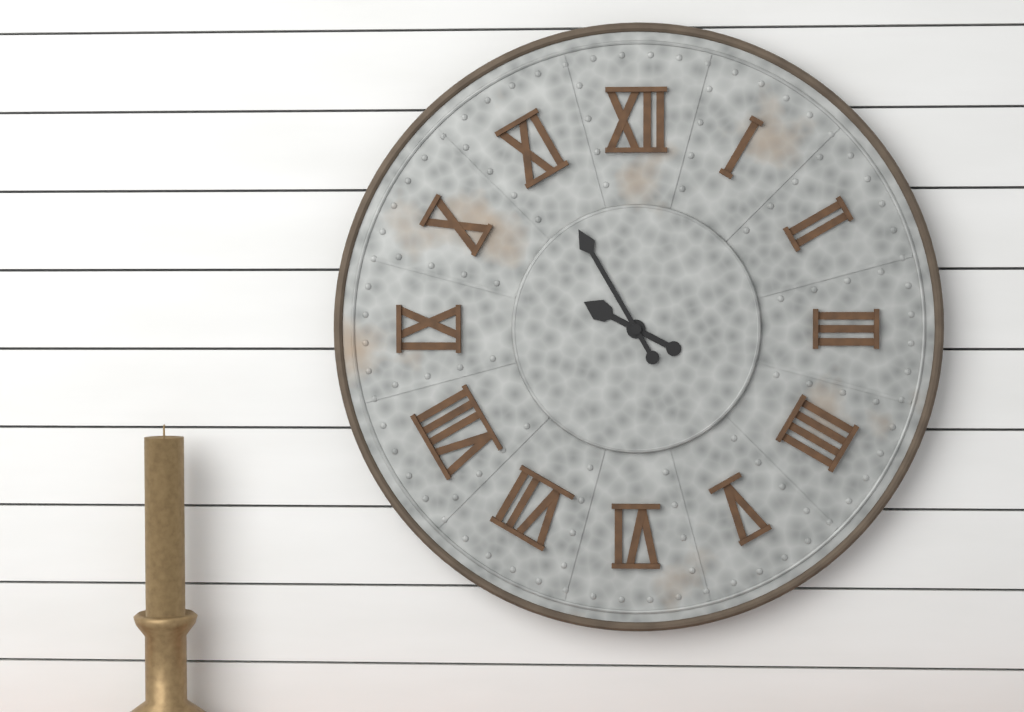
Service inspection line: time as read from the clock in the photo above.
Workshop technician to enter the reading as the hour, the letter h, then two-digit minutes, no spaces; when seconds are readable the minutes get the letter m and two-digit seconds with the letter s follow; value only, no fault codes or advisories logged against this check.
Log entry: 9h55
